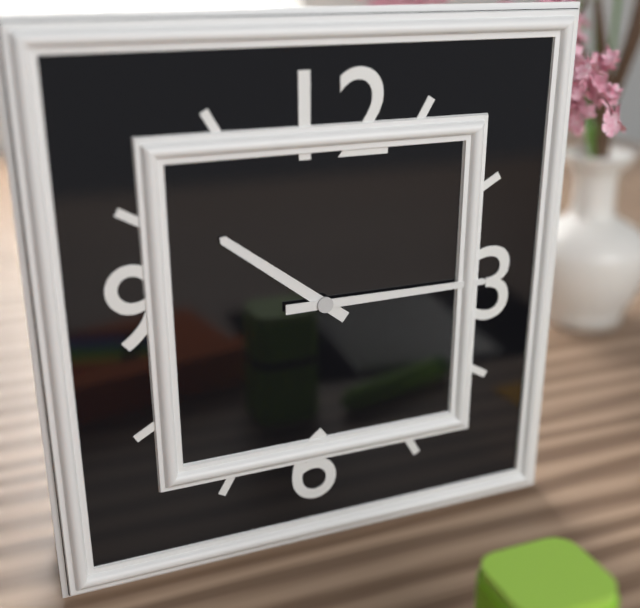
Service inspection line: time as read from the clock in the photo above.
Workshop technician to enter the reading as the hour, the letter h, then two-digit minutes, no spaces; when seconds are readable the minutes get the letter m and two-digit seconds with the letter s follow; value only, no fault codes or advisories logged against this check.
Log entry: 10h15
